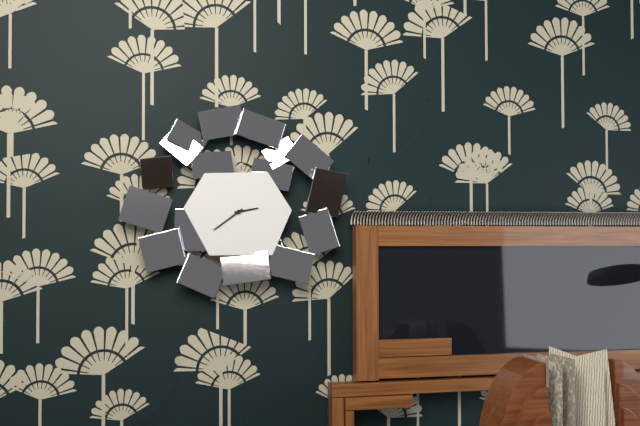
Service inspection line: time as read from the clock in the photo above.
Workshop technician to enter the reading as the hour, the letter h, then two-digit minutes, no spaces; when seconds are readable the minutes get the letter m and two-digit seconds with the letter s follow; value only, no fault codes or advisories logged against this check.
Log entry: 2h39
